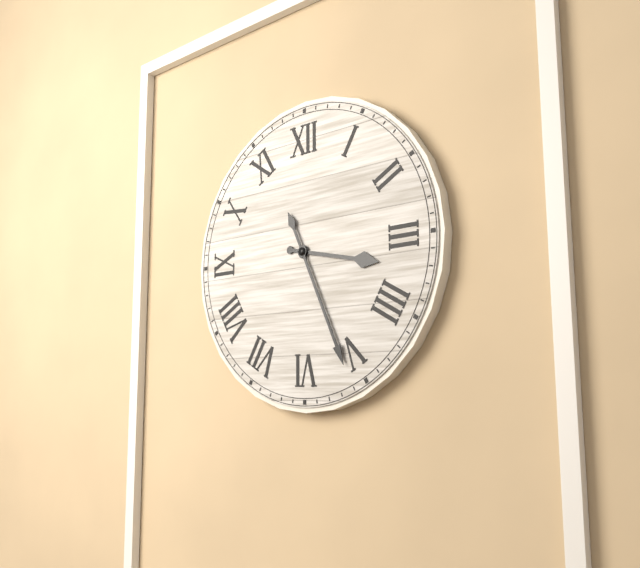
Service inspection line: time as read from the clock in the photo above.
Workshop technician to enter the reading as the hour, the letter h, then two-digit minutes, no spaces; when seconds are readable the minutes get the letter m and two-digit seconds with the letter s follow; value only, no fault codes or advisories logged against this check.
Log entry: 3h26
